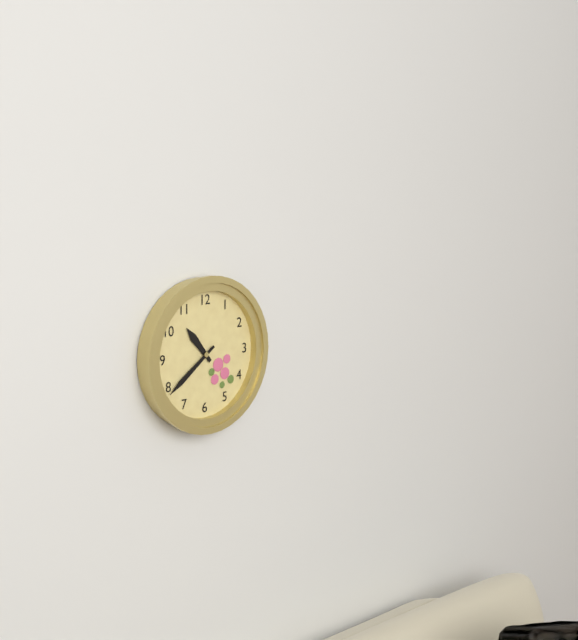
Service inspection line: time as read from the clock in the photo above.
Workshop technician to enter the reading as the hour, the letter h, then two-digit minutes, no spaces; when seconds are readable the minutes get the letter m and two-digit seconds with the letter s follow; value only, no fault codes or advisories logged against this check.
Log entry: 10h39
